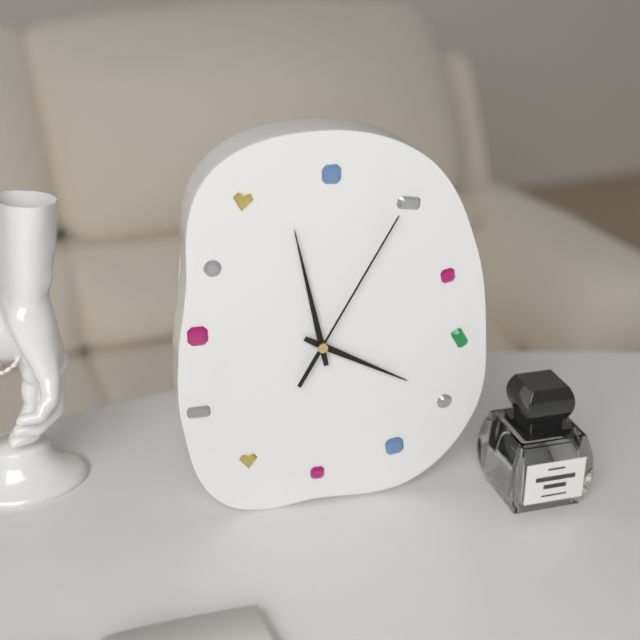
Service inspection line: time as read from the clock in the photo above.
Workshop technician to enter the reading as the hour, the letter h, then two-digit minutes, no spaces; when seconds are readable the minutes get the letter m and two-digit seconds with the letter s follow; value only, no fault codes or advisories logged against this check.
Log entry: 3h58m05s
